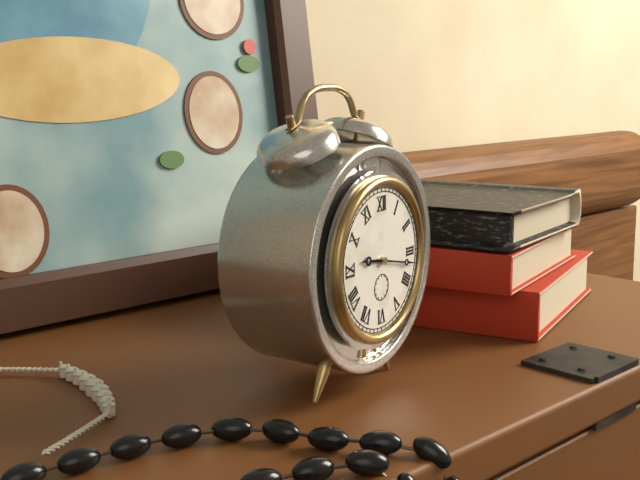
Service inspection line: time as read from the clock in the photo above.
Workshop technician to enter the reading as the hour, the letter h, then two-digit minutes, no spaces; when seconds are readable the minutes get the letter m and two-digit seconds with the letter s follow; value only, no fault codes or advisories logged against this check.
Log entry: 9h17
